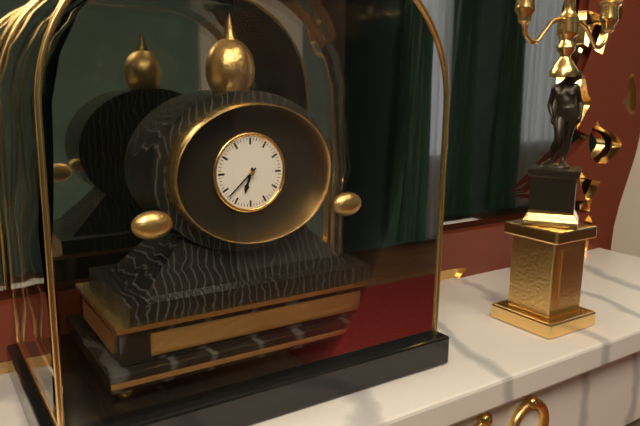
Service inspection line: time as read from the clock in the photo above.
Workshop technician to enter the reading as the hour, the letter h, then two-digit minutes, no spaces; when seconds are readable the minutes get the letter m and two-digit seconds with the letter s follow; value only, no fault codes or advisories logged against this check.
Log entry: 6h38
